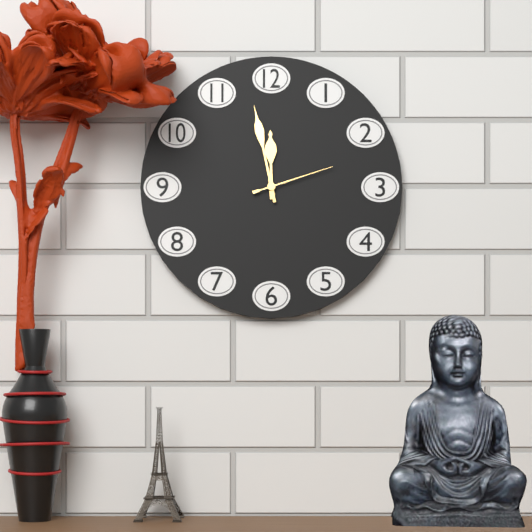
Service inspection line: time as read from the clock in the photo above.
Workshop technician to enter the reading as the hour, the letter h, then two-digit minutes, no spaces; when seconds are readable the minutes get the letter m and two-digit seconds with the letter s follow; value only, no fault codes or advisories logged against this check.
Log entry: 11h58m12s
